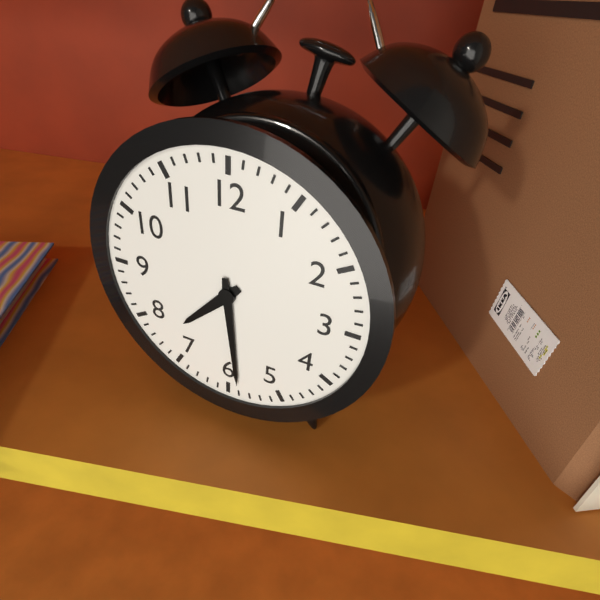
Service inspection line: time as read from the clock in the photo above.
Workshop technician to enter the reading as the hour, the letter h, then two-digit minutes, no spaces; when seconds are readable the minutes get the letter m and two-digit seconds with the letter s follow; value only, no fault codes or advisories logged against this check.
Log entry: 7h29
